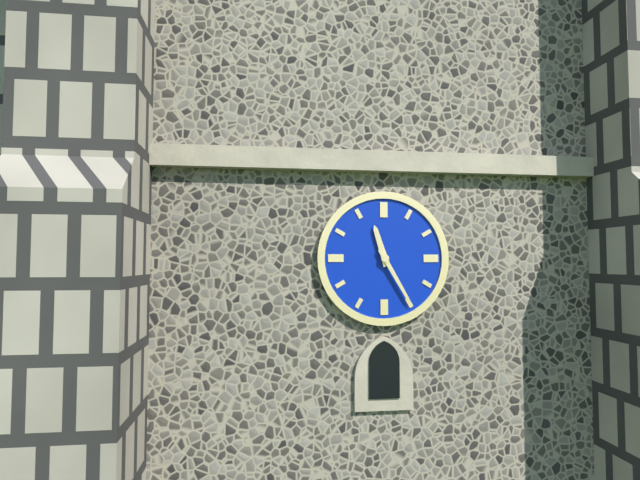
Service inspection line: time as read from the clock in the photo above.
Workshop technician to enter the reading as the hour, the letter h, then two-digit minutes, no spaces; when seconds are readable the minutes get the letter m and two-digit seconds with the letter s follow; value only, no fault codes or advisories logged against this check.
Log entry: 11h25
